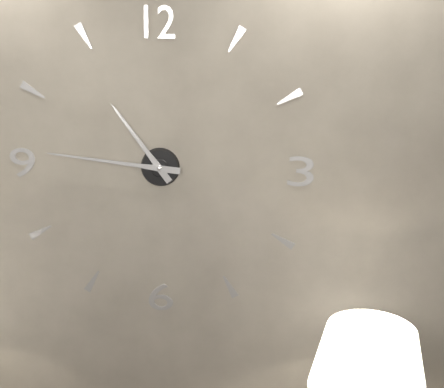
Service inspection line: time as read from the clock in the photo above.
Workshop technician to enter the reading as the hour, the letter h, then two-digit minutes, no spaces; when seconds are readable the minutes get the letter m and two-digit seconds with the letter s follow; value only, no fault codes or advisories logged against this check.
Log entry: 10h46
